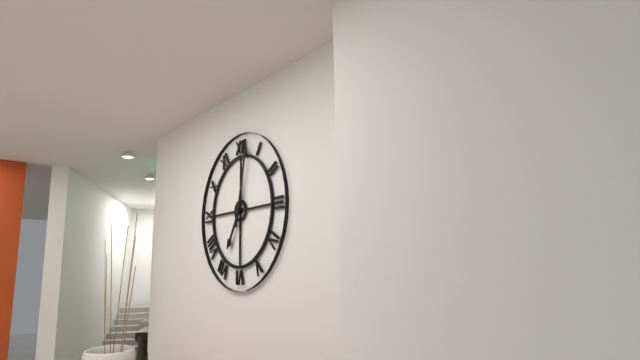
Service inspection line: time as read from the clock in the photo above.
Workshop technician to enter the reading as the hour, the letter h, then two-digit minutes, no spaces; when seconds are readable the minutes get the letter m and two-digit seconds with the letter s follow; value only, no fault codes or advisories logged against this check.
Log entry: 7h02
